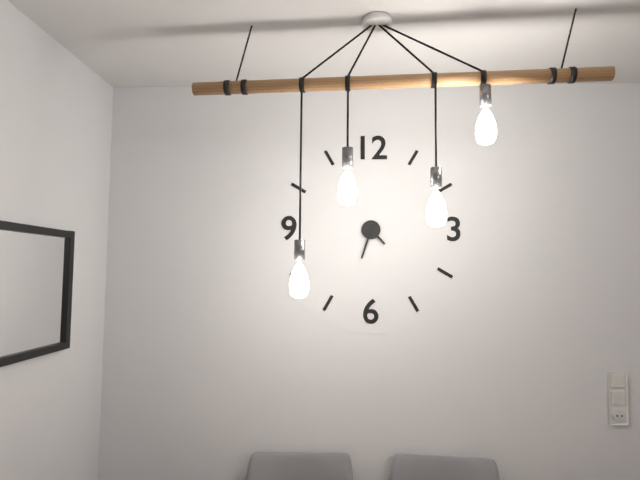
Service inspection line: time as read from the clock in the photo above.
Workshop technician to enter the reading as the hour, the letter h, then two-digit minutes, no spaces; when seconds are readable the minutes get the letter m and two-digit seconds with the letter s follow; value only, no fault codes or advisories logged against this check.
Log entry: 4h33
